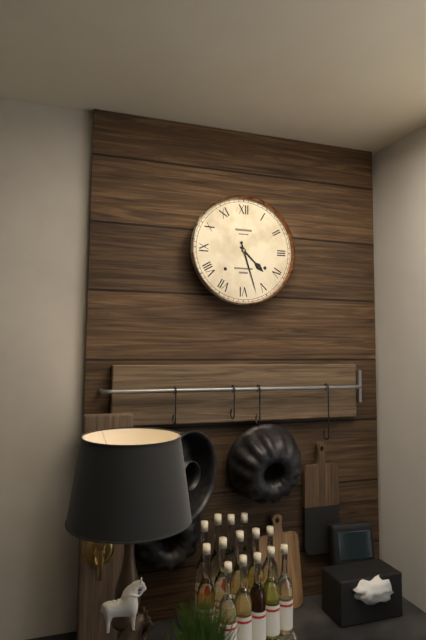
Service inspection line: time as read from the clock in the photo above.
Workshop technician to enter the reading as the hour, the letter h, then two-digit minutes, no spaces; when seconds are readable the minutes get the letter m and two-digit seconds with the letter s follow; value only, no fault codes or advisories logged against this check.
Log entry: 4h27
